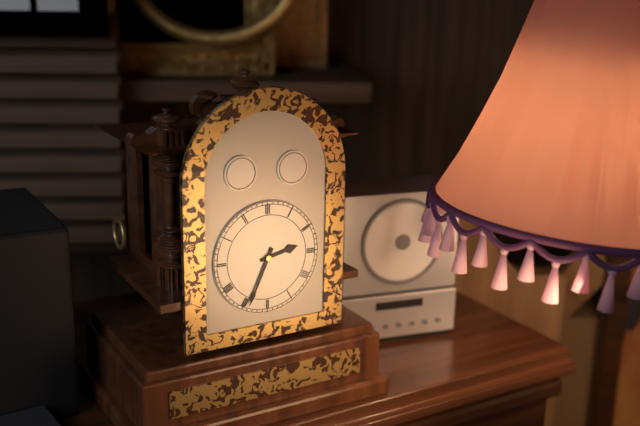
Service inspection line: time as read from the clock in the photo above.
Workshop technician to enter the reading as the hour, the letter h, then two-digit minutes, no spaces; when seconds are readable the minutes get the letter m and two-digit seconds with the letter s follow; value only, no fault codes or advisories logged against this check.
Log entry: 2h34
